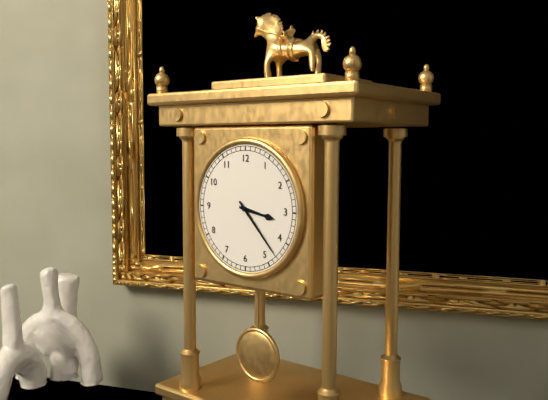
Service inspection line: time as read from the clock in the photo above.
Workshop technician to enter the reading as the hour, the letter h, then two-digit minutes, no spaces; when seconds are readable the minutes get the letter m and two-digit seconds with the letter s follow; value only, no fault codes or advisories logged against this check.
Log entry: 3h23
